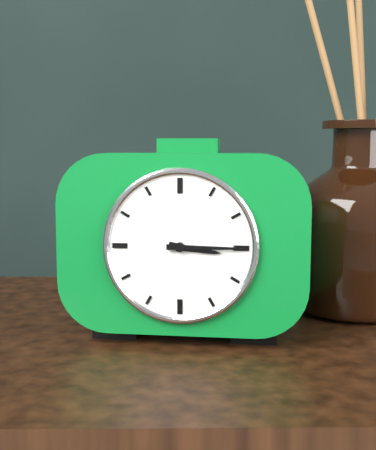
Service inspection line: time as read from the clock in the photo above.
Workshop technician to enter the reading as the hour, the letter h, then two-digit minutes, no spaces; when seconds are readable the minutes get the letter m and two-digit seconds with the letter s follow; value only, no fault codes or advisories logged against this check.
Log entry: 3h15
